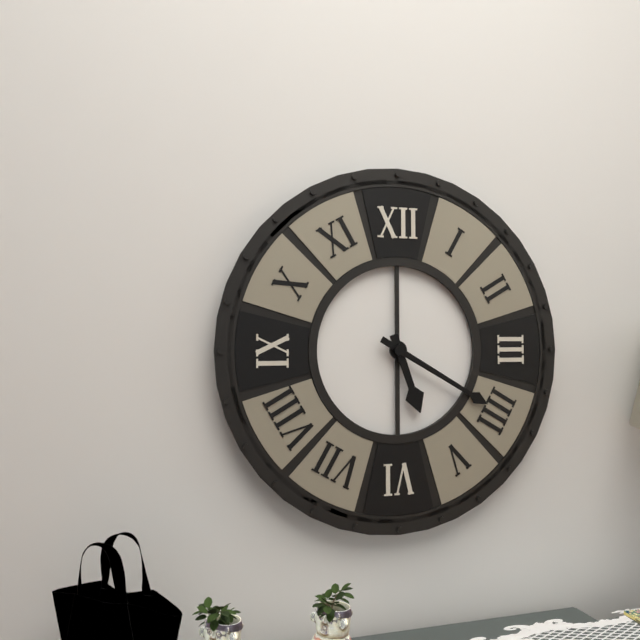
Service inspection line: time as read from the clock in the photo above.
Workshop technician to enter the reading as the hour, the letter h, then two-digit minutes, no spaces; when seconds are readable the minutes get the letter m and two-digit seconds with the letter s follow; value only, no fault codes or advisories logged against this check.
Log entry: 5h20
